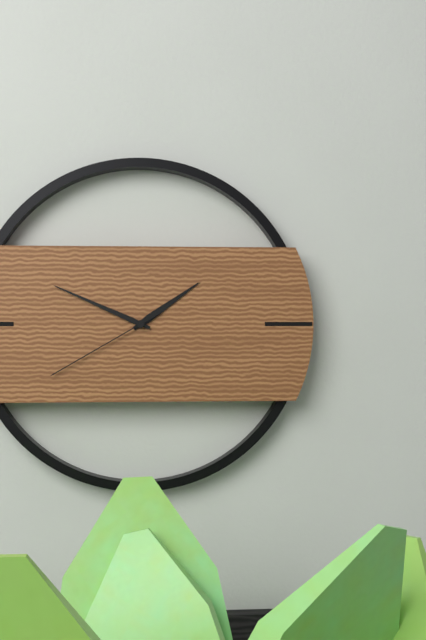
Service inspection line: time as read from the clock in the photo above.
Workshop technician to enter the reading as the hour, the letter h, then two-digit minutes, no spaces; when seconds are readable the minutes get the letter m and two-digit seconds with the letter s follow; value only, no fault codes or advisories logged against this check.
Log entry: 1h49m40s
